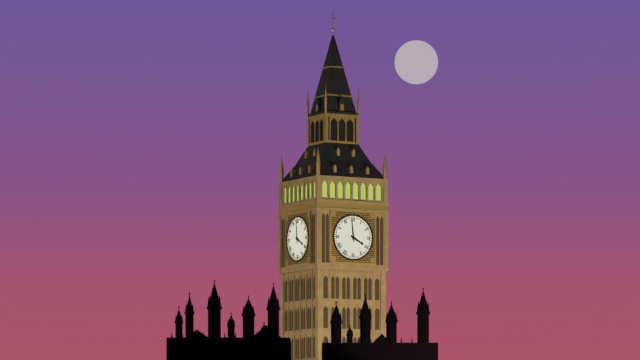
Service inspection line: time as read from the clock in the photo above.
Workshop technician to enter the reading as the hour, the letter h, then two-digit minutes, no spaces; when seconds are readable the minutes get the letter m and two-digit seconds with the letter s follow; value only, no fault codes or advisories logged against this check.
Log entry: 3h59
